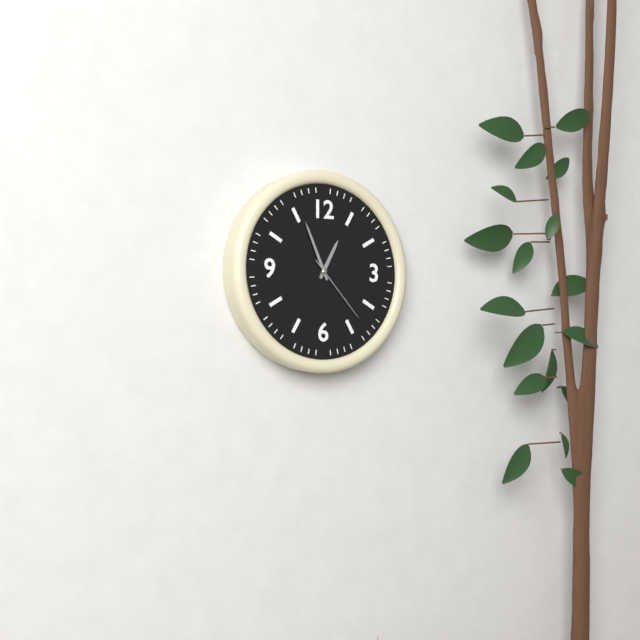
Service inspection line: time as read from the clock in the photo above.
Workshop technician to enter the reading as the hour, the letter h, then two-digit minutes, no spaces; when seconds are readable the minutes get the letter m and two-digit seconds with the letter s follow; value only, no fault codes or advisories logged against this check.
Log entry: 12h56m23s
